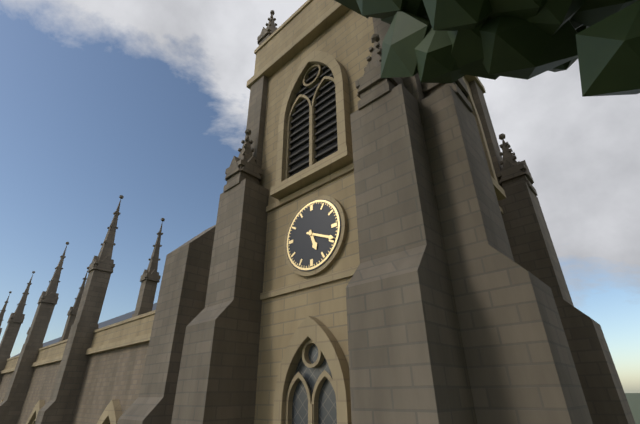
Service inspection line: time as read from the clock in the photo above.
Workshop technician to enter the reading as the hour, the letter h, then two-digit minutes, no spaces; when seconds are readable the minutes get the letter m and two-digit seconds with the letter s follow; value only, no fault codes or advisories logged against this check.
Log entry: 5h19
